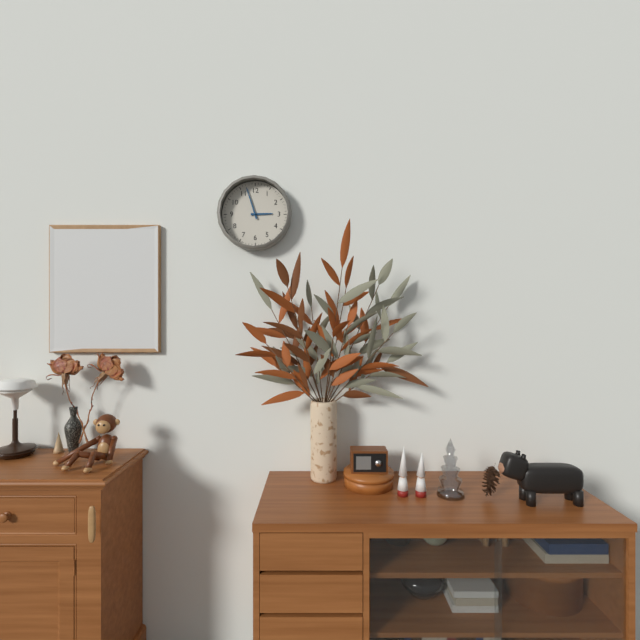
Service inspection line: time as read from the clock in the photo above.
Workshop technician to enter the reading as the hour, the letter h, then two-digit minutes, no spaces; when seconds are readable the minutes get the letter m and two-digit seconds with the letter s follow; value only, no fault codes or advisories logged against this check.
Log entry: 2h57
